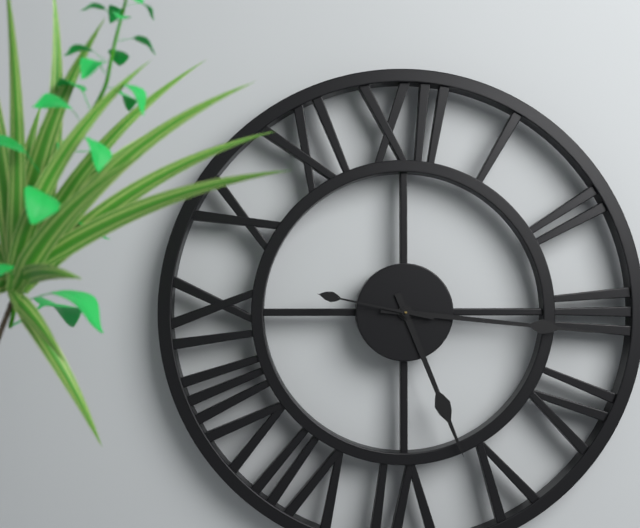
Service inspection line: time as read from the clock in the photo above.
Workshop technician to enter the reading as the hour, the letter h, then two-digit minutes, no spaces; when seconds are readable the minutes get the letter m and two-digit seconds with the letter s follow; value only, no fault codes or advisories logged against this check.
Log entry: 5h16m47s
